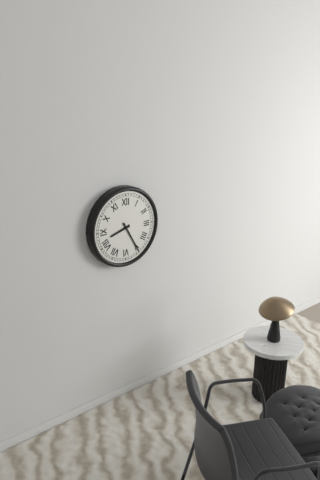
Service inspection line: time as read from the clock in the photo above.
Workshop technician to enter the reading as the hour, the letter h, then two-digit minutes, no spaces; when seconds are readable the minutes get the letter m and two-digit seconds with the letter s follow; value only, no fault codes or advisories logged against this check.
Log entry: 8h25
